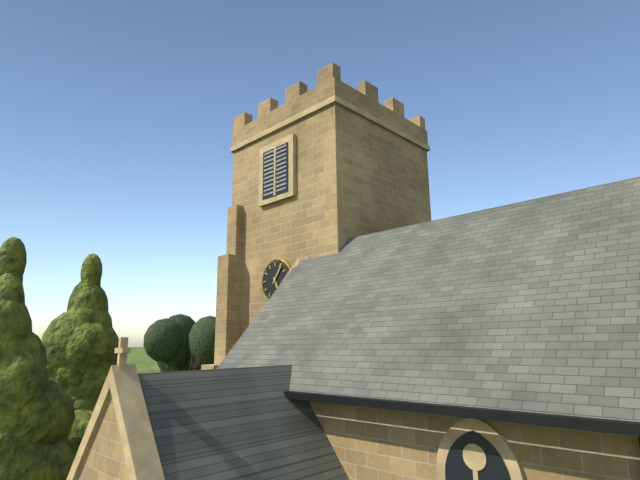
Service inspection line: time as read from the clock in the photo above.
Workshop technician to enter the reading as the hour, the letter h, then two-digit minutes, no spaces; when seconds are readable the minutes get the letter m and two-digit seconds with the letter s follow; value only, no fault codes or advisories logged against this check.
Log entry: 5h06
